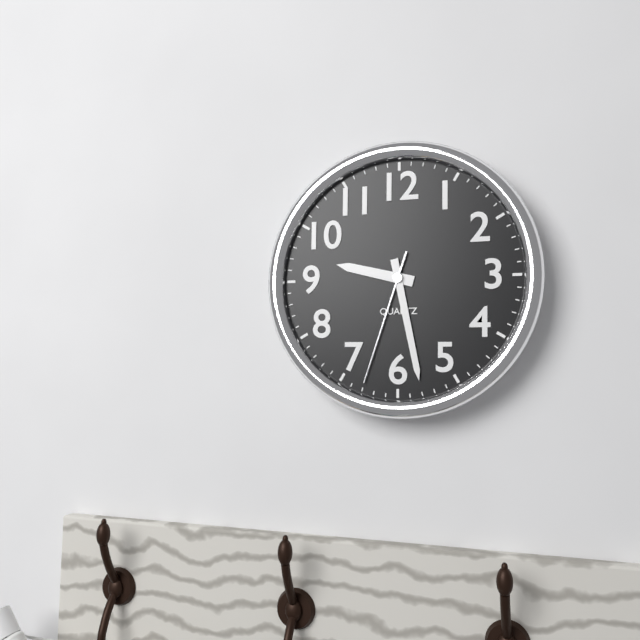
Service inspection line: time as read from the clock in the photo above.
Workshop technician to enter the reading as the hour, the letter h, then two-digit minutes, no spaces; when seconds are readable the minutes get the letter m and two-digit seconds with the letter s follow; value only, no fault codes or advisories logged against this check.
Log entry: 9h28m33s
